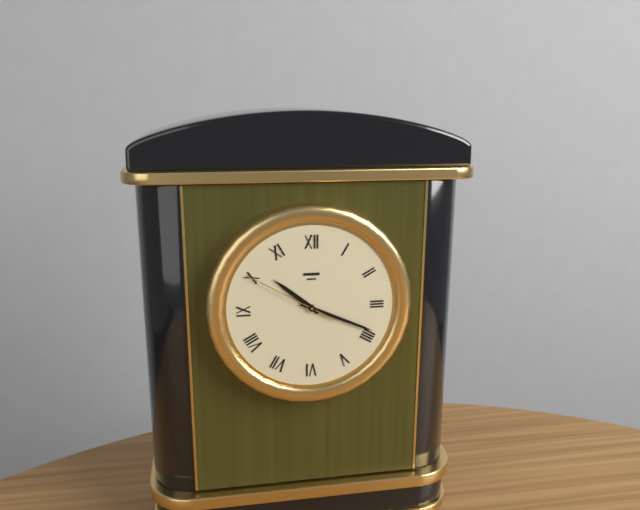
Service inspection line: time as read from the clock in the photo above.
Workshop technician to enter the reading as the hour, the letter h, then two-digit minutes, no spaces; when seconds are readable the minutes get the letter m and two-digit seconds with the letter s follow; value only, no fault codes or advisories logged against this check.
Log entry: 10h19m50s
